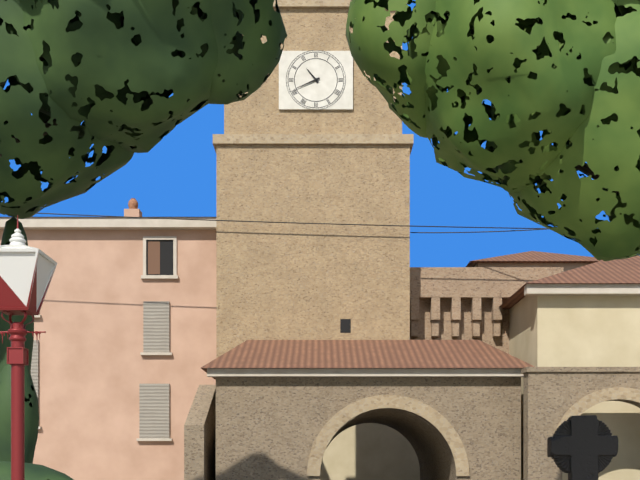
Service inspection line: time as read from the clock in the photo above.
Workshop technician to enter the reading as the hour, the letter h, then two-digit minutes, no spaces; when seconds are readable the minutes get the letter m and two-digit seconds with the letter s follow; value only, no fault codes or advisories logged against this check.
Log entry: 10h41
